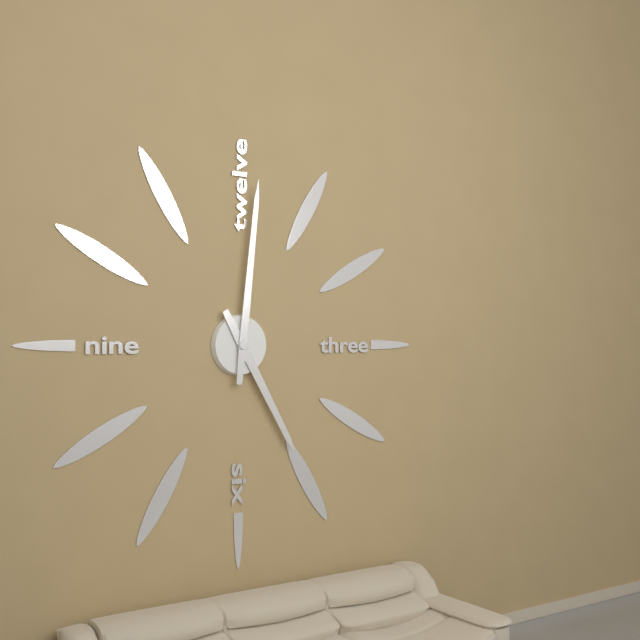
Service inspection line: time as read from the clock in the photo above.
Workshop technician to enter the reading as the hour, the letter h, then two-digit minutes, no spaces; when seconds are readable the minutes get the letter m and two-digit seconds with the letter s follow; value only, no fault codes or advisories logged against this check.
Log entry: 5h01
